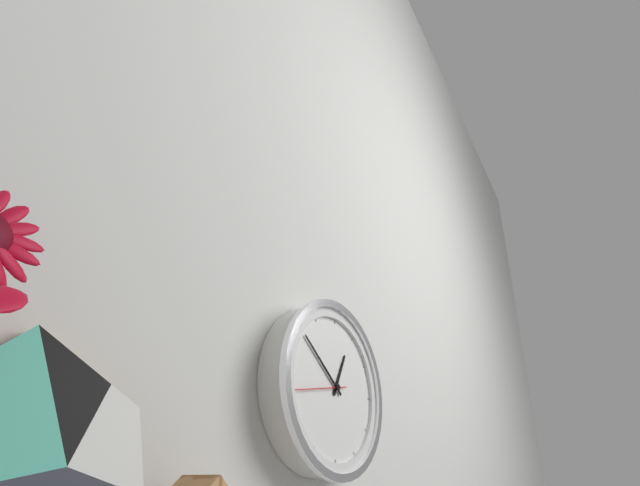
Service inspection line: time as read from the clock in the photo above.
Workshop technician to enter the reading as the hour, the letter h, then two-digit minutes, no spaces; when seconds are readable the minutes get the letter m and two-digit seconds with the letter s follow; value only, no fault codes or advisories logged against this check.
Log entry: 12h51m43s
